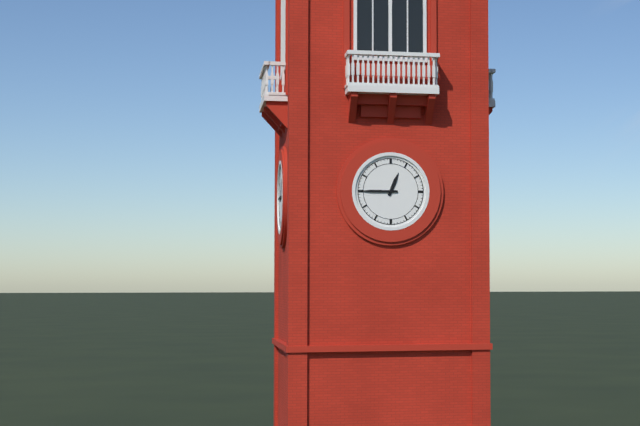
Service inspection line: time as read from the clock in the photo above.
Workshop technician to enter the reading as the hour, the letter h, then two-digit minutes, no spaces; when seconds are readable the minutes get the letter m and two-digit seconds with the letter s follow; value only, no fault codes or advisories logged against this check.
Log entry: 12h45
